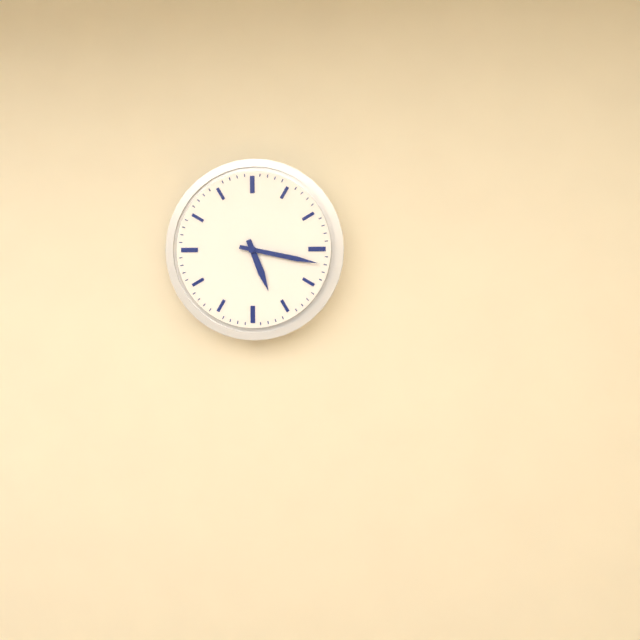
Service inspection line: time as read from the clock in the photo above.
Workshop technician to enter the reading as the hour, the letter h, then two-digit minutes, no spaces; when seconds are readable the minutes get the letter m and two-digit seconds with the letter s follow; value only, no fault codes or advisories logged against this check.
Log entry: 5h17
